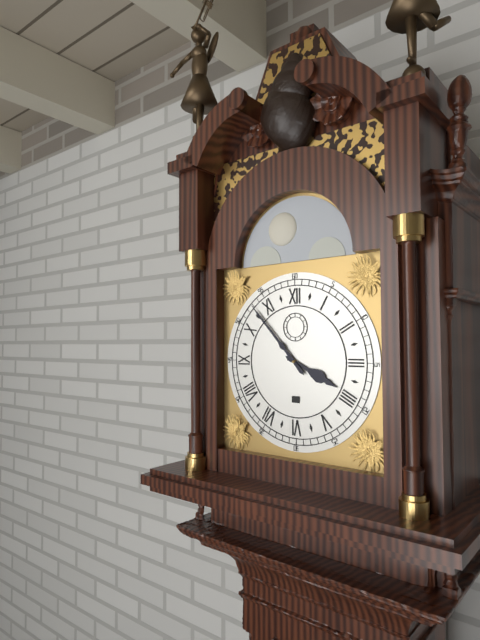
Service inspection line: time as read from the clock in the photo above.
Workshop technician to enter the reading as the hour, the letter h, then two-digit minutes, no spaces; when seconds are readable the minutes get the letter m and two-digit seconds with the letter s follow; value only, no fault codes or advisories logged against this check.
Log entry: 3h53
